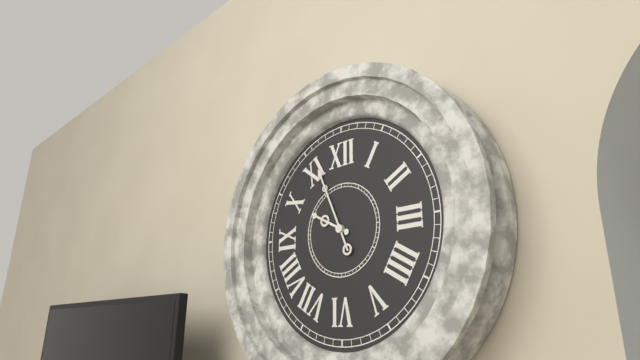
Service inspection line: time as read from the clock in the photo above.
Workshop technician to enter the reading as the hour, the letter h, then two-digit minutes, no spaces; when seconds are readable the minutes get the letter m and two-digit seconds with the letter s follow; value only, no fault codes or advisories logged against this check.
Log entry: 9h56
